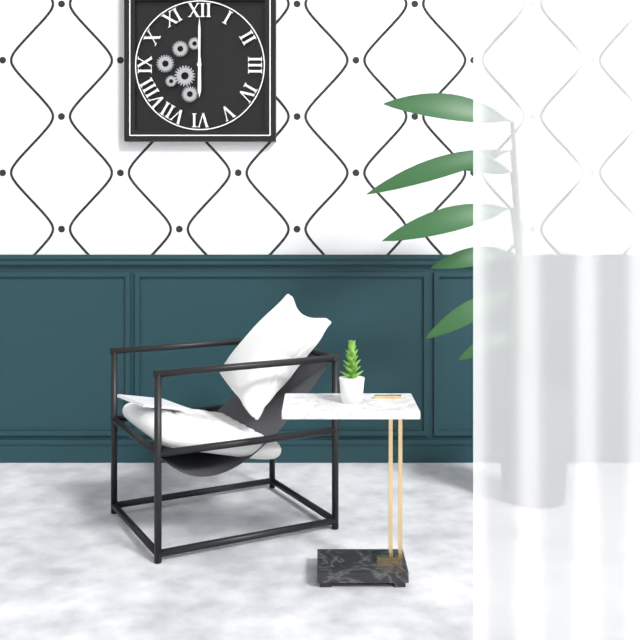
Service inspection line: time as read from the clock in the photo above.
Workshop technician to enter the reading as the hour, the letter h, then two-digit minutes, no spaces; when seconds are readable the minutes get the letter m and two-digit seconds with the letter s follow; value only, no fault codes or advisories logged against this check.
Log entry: 6h00
